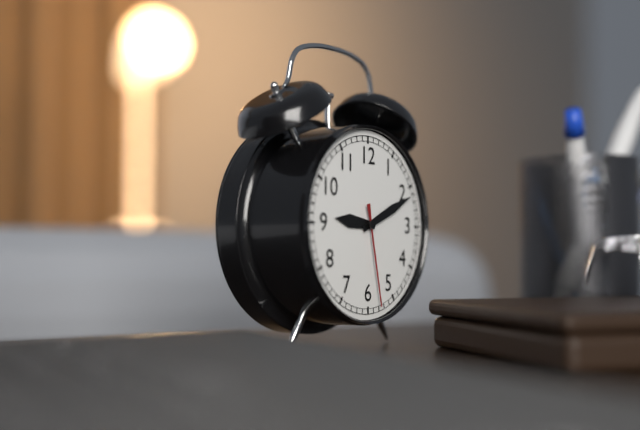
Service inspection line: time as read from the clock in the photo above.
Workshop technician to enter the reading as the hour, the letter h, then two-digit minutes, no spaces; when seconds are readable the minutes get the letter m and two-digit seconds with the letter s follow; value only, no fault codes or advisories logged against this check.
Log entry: 9h11m28s
